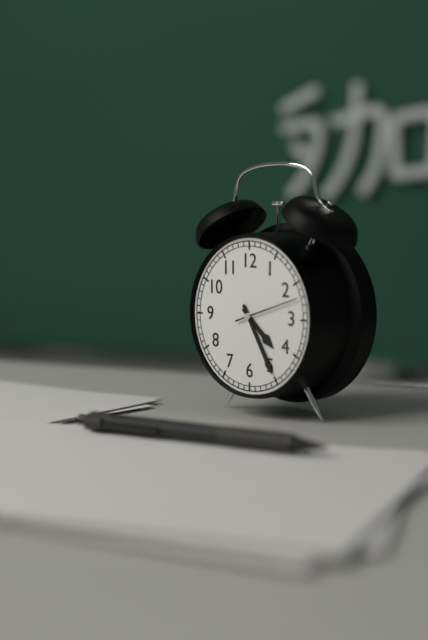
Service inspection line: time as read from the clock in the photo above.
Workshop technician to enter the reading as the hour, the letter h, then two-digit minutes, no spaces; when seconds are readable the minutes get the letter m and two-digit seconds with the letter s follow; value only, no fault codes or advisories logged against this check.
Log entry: 4h25
